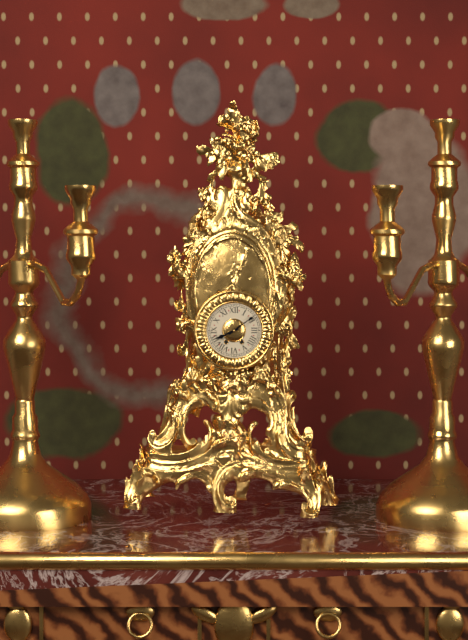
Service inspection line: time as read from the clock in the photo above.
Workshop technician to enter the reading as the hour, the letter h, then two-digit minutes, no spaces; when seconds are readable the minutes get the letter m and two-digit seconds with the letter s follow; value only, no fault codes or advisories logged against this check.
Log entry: 8h09
